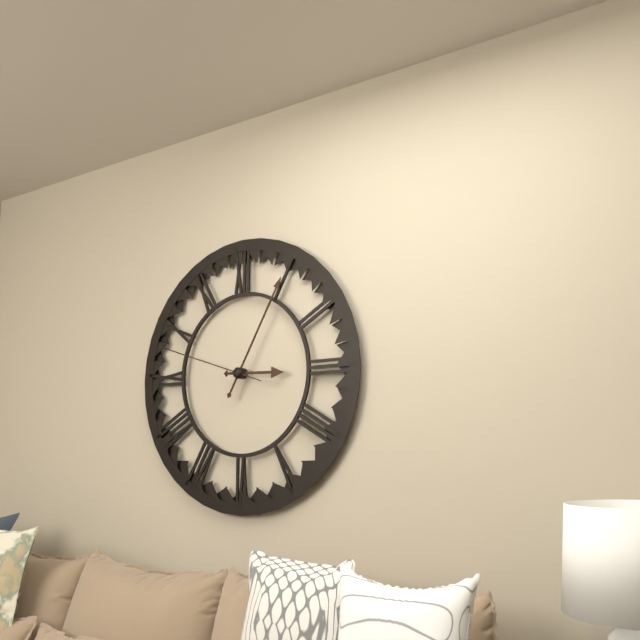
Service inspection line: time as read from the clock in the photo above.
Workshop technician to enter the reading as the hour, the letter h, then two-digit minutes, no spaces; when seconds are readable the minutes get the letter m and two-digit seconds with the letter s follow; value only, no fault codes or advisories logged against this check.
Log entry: 3h05m48s
